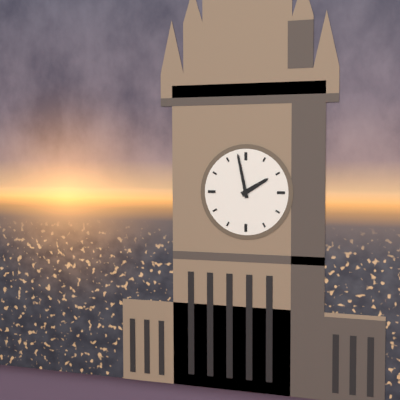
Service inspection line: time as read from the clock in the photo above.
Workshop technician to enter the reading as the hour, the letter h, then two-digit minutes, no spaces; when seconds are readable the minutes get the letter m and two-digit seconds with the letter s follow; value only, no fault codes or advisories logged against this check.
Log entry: 1h58
